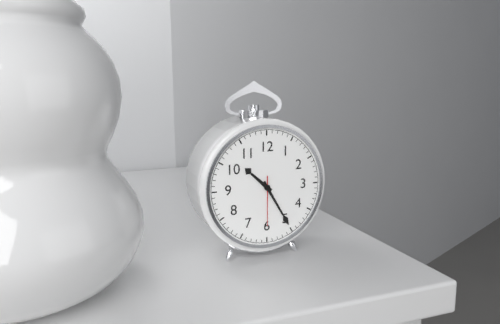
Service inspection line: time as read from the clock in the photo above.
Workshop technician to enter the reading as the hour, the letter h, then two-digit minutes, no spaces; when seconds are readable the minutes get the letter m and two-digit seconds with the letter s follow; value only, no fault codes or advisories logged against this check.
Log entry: 10h25
